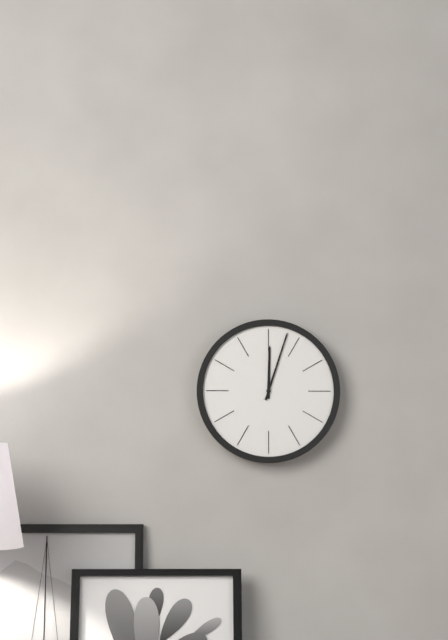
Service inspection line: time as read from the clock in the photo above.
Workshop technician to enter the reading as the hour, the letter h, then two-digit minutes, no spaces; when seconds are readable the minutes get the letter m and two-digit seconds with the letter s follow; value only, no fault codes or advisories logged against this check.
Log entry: 12h03
